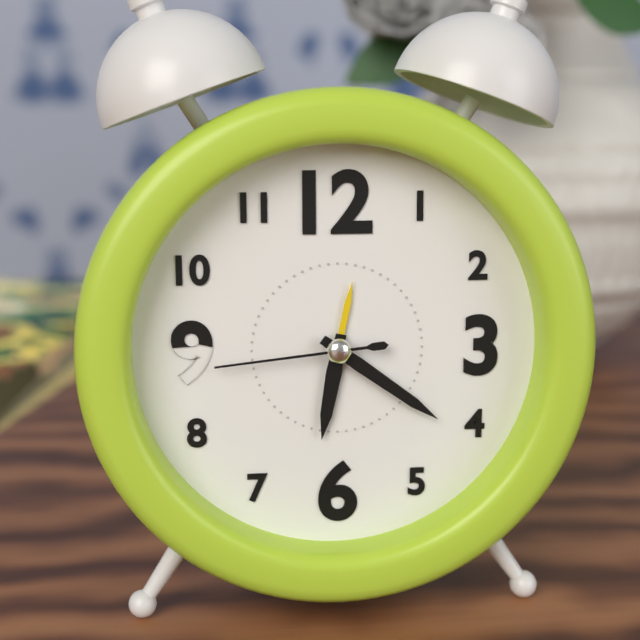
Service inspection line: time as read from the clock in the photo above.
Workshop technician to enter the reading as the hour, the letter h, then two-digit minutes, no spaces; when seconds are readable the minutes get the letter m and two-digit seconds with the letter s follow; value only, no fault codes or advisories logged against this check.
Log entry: 6h21m44s
